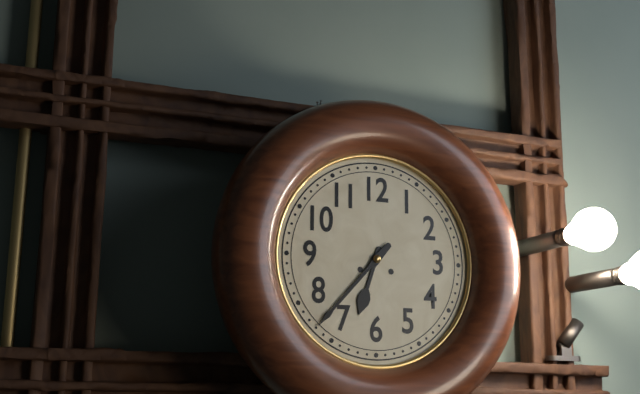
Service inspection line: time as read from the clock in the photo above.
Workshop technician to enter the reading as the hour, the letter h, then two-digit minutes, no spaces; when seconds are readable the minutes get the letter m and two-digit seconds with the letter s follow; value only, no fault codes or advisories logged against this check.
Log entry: 6h37
